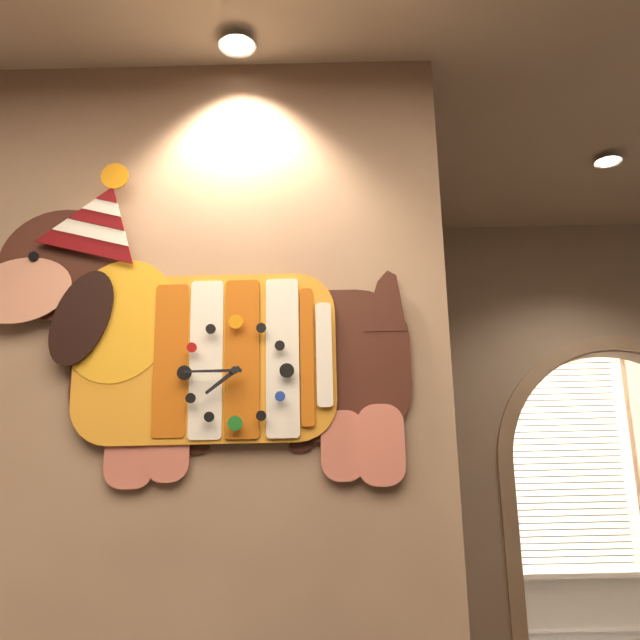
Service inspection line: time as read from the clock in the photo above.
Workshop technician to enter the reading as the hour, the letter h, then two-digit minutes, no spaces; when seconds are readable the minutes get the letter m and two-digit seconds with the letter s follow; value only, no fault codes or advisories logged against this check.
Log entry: 7h45
